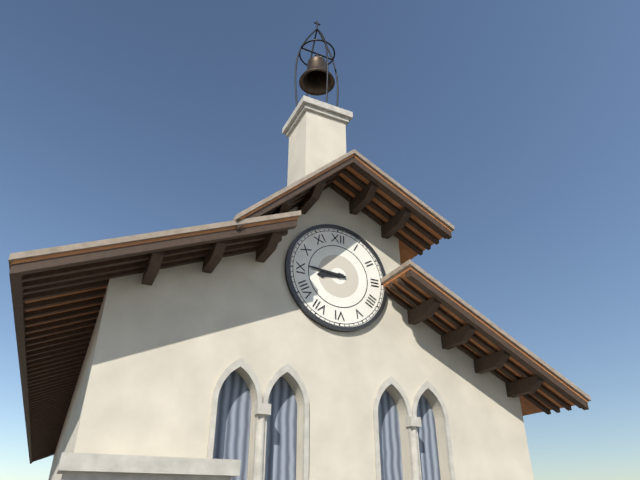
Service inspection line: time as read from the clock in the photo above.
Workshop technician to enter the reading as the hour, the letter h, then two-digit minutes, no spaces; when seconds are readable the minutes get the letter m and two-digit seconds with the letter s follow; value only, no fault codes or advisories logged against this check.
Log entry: 8h46
